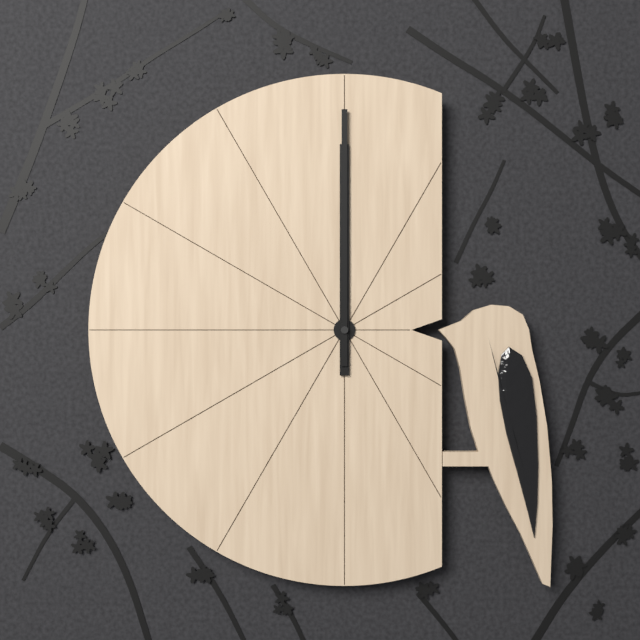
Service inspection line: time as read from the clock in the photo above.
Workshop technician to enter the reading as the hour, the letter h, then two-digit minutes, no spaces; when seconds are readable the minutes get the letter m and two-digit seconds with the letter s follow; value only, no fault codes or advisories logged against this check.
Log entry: 12h00
